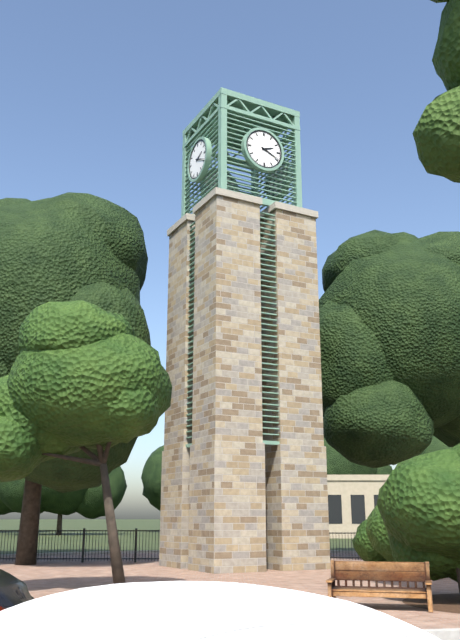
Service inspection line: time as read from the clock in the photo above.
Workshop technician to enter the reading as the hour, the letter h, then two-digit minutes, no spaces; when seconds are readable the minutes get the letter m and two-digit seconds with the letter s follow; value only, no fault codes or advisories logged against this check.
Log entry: 2h19
